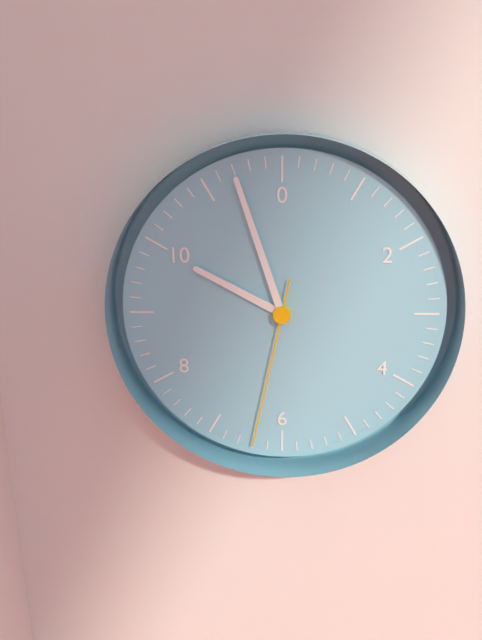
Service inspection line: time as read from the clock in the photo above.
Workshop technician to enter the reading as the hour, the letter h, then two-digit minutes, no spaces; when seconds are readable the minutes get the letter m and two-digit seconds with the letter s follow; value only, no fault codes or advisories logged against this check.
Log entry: 9h57m32s
